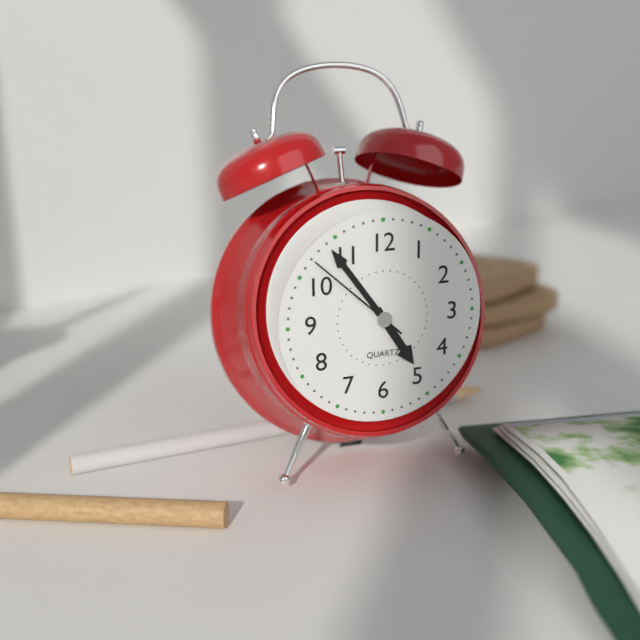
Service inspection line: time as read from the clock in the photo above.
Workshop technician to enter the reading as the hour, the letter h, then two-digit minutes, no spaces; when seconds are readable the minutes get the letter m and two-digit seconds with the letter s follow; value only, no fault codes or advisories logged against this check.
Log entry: 4h54m52s
